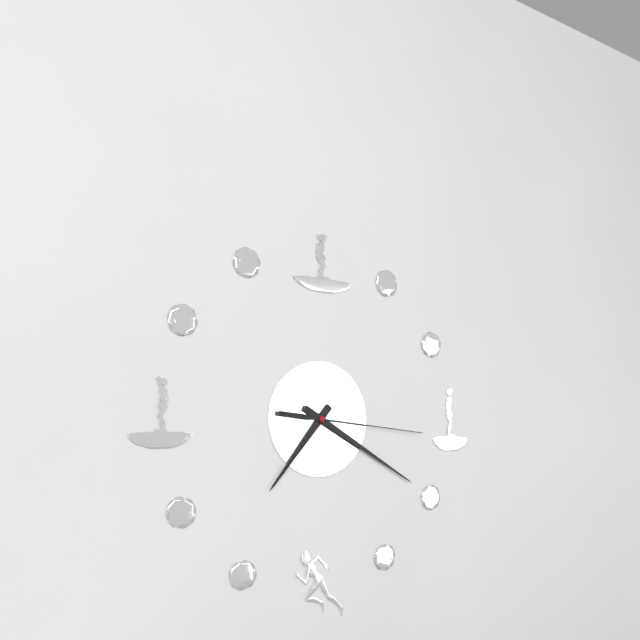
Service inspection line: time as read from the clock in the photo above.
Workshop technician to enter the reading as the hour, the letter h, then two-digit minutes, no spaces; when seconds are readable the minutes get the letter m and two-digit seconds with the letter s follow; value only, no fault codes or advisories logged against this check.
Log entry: 7h20m16s
